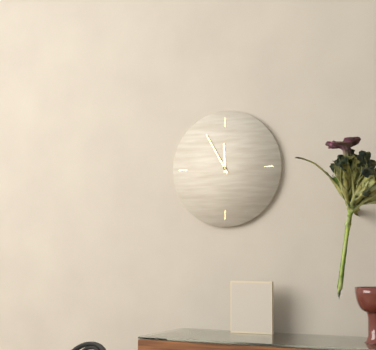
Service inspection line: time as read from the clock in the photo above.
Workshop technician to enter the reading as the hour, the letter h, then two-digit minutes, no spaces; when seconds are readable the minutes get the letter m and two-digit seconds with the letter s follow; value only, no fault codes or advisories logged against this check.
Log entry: 11h55
